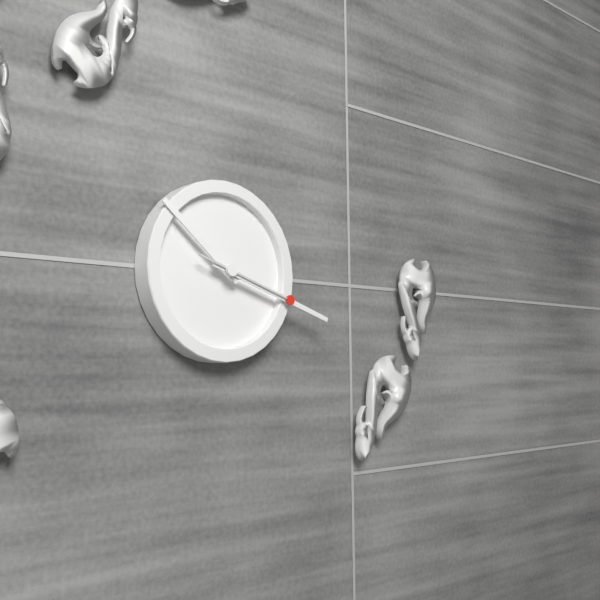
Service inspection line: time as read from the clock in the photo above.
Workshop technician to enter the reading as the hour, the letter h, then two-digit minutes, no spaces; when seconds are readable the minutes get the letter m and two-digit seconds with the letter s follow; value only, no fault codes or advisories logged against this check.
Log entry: 10h18m18s
